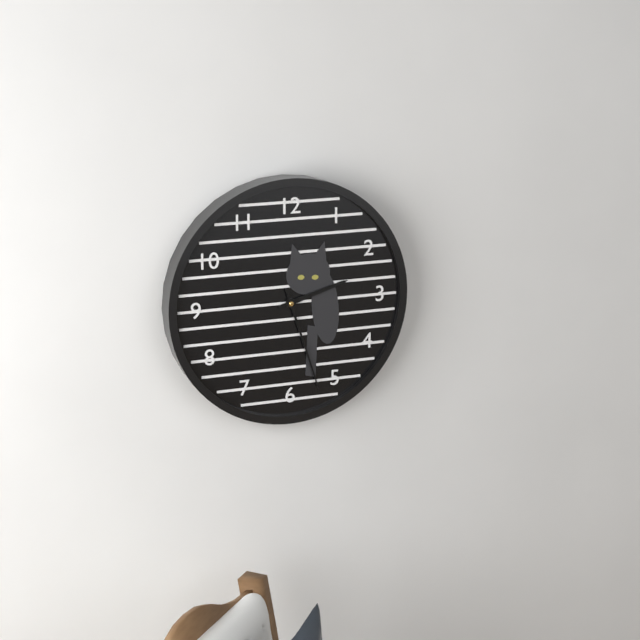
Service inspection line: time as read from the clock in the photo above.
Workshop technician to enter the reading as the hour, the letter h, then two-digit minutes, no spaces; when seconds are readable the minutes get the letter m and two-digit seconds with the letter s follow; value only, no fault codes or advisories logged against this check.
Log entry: 2h27
